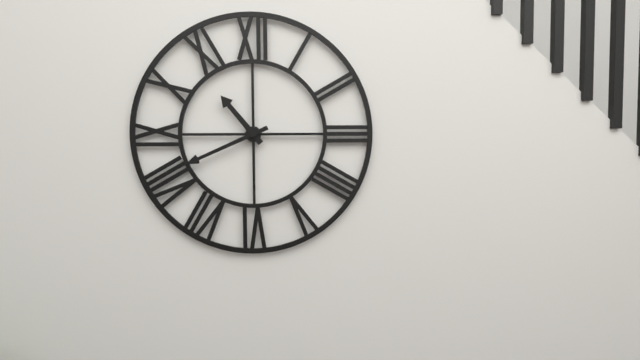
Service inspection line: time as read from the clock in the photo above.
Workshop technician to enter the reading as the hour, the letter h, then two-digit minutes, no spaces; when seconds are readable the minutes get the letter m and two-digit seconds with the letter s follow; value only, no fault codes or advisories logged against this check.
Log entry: 10h41
